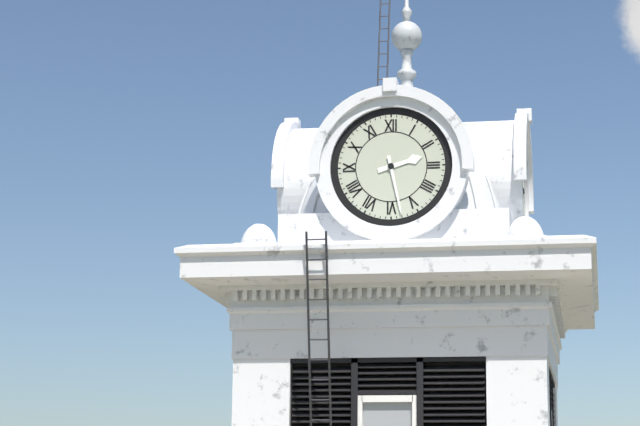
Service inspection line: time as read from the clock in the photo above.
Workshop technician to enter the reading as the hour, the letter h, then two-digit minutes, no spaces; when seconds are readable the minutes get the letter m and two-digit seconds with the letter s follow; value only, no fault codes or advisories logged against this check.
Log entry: 2h28
